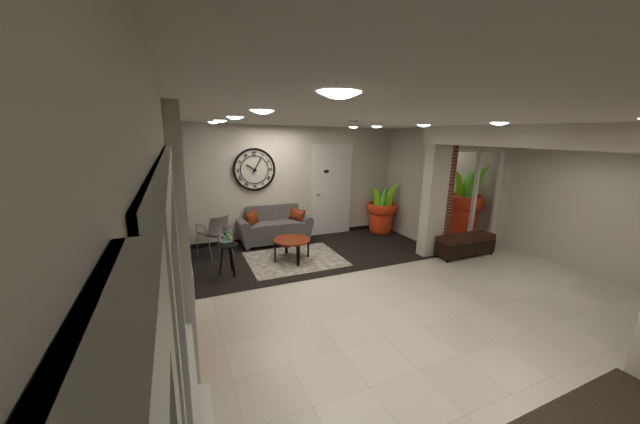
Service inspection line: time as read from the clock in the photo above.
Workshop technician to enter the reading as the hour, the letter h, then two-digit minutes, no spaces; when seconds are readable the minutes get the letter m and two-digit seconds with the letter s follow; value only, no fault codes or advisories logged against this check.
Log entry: 10h05
